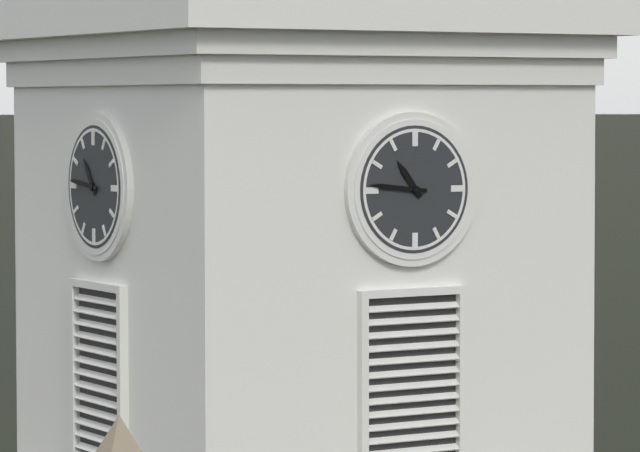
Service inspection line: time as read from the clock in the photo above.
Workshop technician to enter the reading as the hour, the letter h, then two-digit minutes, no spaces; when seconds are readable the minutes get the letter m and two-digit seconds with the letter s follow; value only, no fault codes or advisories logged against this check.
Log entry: 10h46
